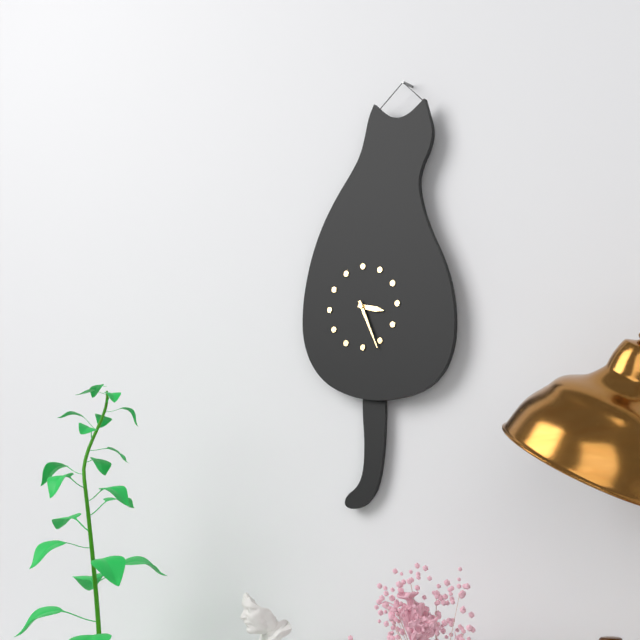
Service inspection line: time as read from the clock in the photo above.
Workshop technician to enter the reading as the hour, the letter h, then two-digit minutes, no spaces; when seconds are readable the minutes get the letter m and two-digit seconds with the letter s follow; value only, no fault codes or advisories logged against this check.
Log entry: 3h26
